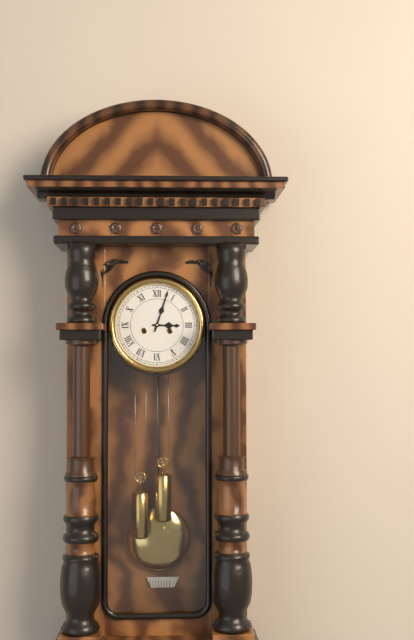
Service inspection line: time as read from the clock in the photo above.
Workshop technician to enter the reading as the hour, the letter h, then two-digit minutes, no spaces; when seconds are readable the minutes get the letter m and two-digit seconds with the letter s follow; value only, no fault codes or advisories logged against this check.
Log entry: 3h03
